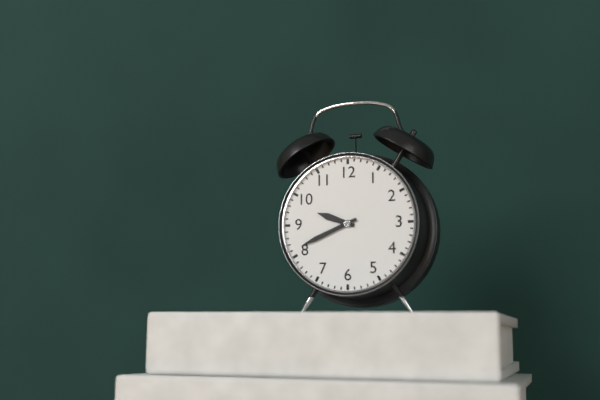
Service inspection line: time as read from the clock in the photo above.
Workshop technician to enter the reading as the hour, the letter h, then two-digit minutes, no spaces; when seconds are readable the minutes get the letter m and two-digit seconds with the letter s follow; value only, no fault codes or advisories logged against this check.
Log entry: 9h41
